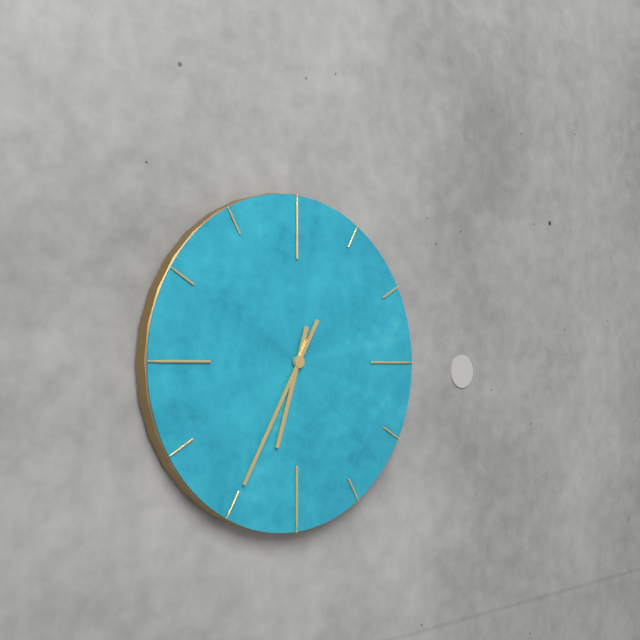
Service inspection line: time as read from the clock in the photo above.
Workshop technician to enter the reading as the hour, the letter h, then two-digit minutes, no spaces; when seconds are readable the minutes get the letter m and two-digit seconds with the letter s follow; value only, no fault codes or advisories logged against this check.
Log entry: 6h35
